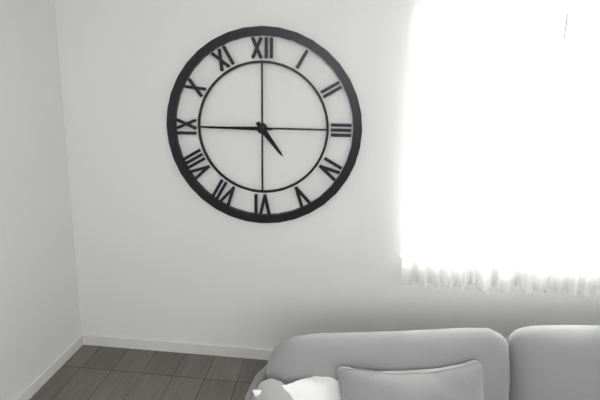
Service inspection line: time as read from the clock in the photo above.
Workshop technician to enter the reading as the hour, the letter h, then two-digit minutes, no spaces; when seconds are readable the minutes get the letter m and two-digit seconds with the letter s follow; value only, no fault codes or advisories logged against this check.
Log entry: 4h45
